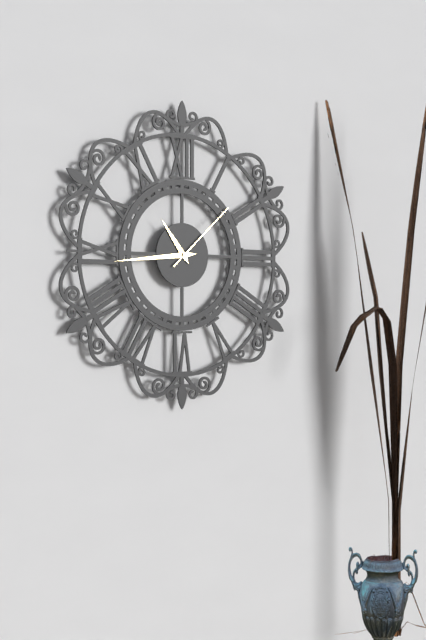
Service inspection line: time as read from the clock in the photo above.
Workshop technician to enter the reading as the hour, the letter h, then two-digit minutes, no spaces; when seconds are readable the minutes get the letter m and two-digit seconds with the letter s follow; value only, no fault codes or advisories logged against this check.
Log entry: 10h44m08s
